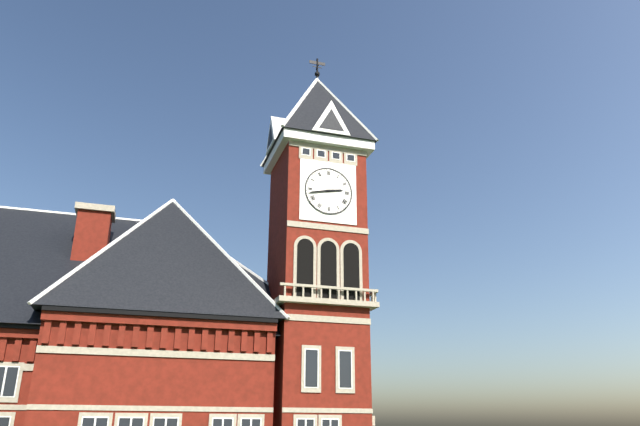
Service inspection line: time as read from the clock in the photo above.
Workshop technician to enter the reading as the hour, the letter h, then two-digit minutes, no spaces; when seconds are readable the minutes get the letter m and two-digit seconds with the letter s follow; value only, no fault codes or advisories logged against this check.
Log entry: 2h43
